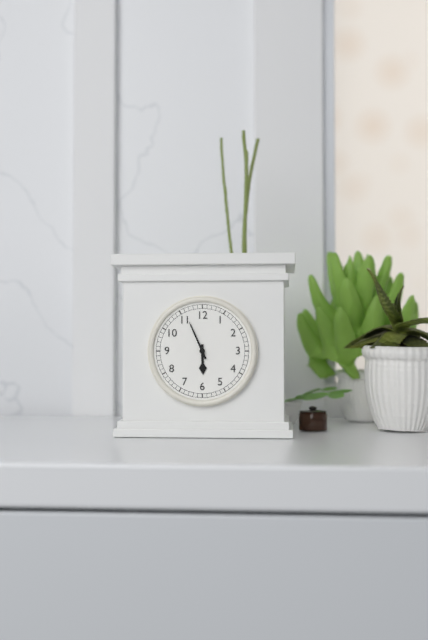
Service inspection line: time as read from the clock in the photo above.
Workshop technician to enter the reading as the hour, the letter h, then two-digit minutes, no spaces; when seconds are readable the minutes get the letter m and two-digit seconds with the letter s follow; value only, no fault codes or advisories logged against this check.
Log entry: 5h56
